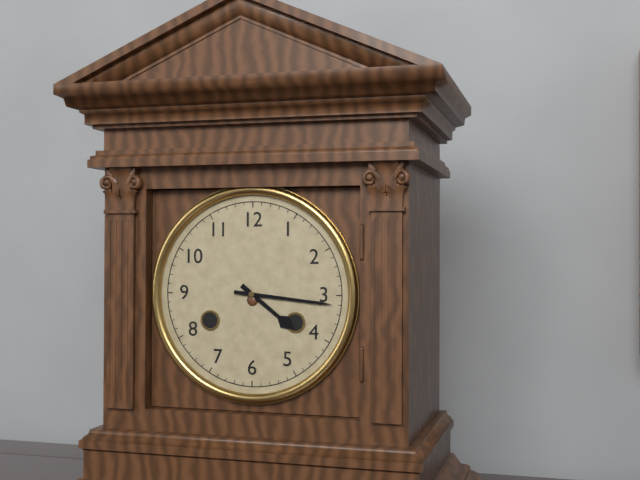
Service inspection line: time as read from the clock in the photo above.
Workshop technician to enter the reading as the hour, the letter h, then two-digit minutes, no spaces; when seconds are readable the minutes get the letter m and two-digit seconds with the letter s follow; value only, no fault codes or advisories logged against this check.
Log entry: 4h16
